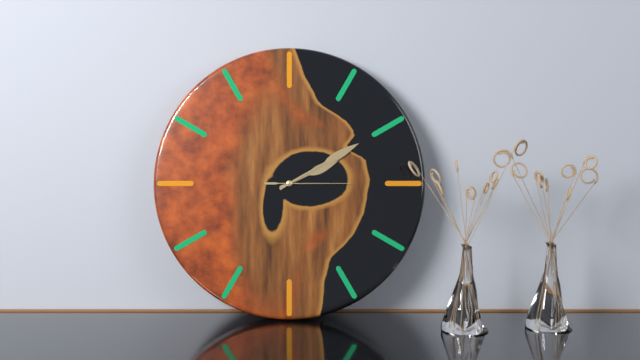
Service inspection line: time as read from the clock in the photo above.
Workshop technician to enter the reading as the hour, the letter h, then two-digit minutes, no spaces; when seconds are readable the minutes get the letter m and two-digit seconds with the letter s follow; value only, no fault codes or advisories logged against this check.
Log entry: 2h10m15s
